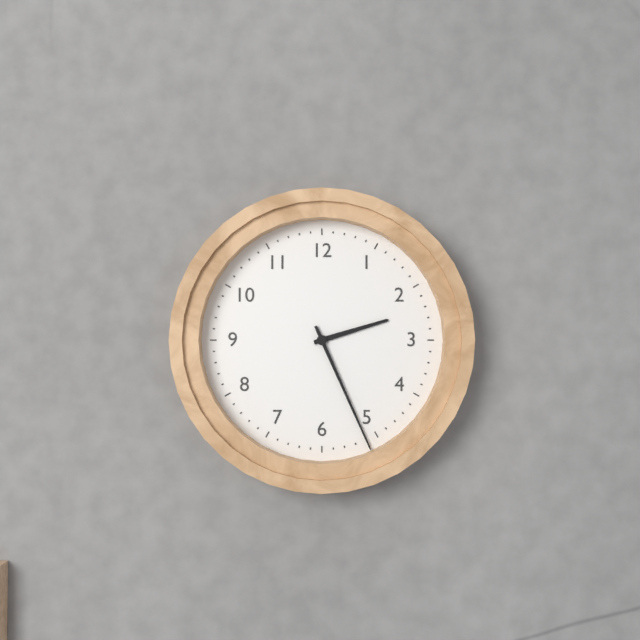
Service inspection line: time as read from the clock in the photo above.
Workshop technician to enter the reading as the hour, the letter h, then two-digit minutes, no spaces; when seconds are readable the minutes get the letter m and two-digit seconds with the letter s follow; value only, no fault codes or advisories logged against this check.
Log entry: 2h26
